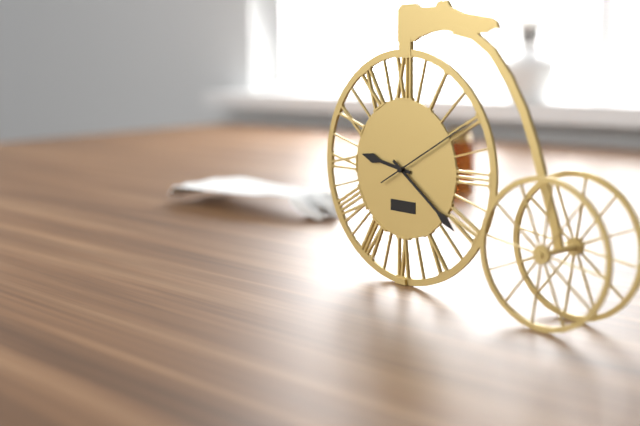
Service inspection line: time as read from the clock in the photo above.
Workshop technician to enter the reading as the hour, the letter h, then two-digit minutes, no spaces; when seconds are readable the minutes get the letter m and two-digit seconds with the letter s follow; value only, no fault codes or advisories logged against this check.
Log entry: 9h21m10s
